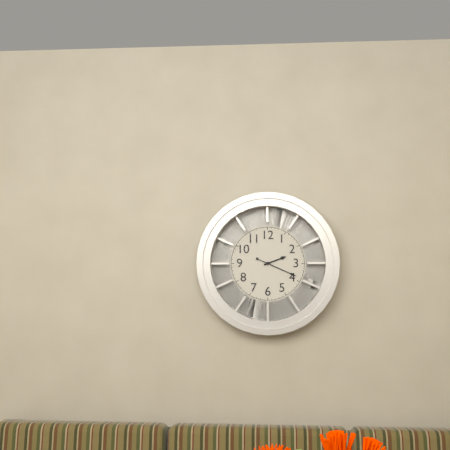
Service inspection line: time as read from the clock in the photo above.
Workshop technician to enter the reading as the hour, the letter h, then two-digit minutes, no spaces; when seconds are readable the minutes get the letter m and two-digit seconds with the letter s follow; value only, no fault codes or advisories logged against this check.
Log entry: 2h19
